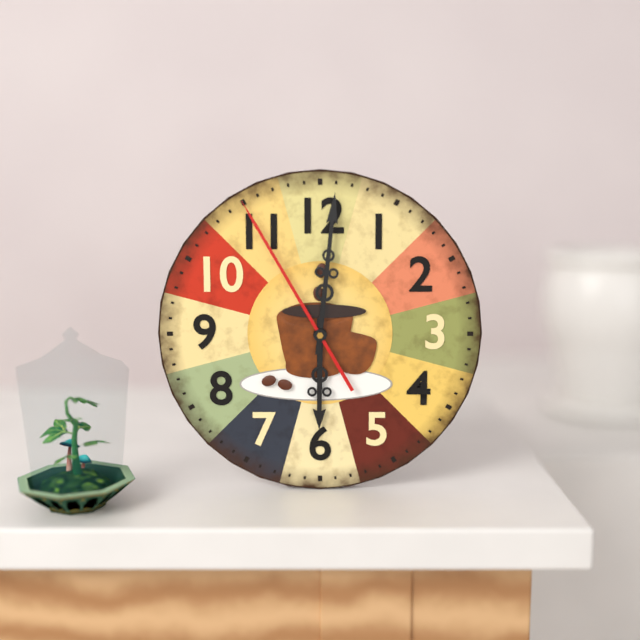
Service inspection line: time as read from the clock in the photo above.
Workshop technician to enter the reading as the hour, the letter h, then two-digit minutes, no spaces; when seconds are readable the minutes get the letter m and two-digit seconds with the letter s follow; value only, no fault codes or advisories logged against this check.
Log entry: 6h01m55s
